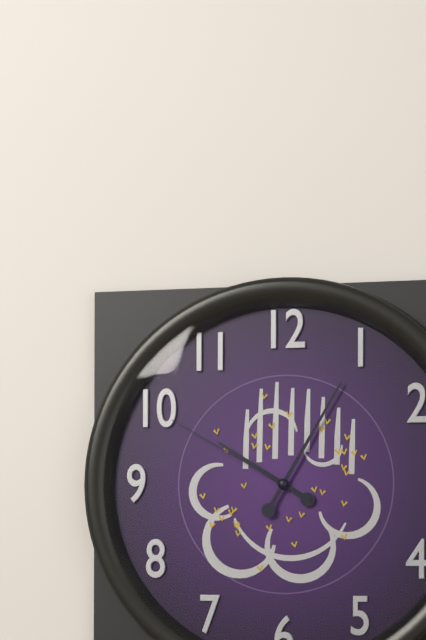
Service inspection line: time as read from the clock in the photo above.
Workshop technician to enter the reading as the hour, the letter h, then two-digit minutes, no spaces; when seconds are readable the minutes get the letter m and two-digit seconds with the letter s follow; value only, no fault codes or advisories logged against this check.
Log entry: 10h05m50s
